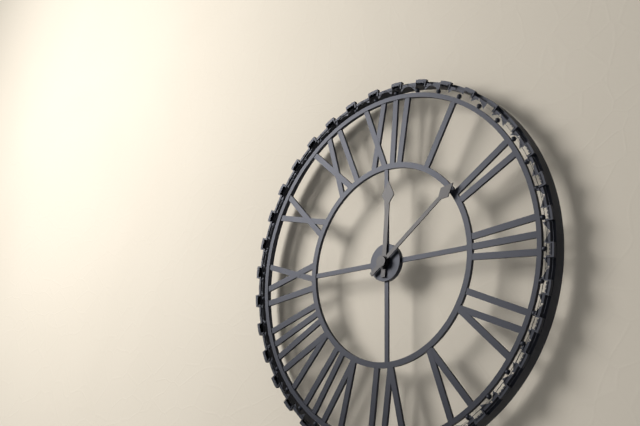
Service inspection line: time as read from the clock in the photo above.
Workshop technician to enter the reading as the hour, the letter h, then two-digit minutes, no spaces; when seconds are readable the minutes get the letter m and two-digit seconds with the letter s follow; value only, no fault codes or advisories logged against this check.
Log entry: 12h09
